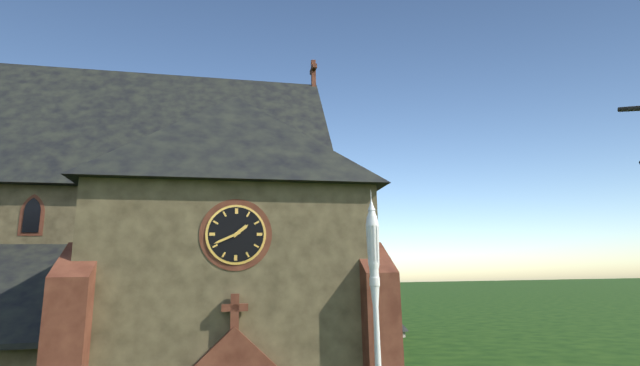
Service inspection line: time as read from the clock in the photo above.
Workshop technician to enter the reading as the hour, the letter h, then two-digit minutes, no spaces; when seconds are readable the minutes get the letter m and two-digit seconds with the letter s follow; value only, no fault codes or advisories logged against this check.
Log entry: 1h41
